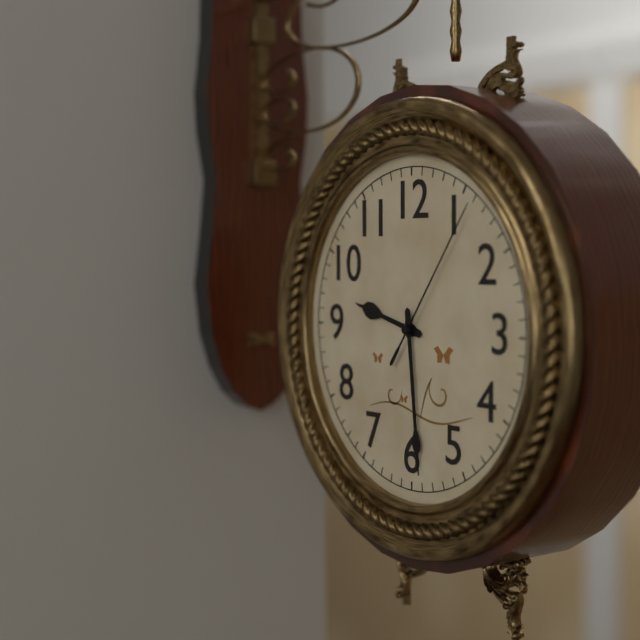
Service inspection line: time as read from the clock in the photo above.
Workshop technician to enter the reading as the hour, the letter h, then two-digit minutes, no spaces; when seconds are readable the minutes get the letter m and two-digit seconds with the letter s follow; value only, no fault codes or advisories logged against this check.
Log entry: 9h29m06s
